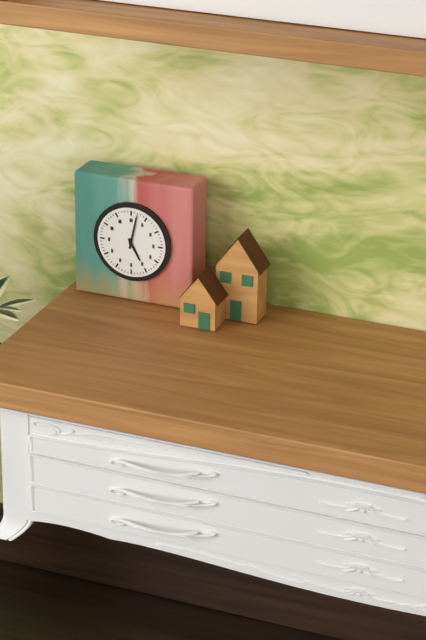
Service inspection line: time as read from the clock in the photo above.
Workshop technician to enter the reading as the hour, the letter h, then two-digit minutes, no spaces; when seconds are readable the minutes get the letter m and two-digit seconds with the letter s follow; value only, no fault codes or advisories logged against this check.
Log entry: 5h02
